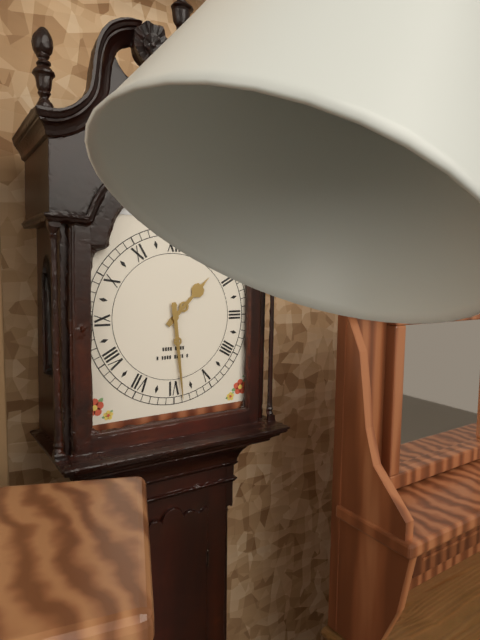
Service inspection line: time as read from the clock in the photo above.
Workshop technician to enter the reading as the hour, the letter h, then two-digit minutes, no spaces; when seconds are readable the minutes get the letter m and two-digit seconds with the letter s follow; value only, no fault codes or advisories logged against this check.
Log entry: 1h29
